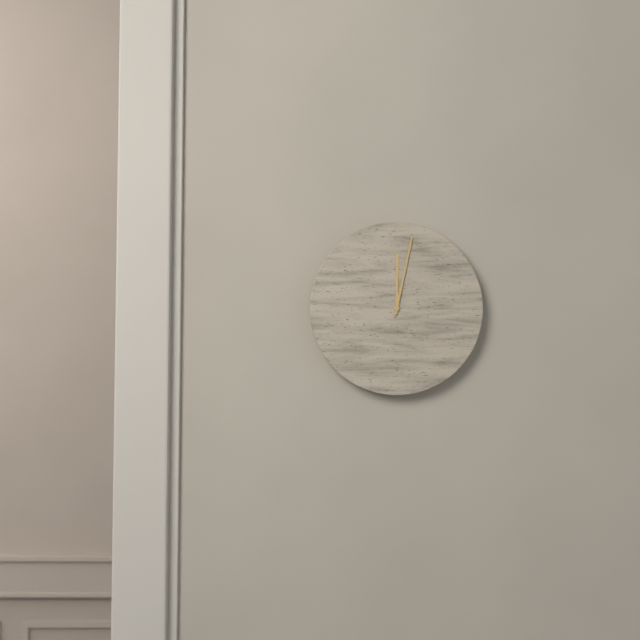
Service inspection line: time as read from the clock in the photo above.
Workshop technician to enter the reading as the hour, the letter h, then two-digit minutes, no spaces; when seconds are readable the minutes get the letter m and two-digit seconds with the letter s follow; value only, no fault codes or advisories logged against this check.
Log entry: 12h02
